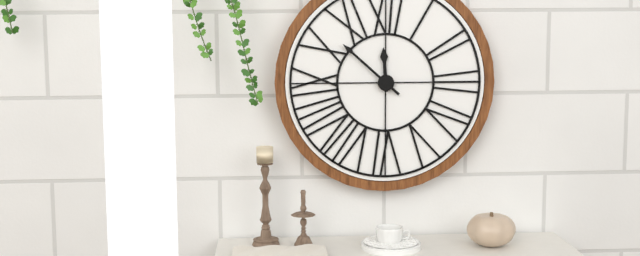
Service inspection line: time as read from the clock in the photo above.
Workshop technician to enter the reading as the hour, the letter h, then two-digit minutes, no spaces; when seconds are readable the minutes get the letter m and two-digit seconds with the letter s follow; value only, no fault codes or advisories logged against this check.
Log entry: 11h52
